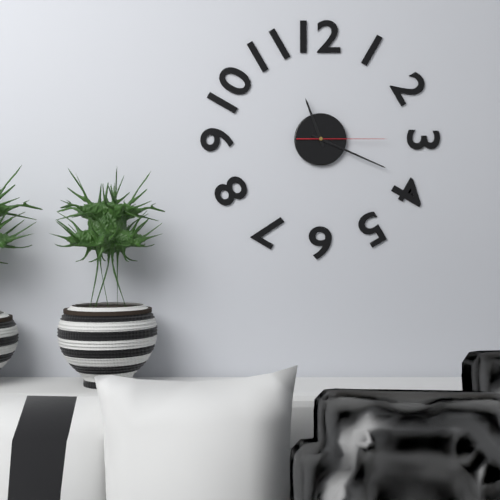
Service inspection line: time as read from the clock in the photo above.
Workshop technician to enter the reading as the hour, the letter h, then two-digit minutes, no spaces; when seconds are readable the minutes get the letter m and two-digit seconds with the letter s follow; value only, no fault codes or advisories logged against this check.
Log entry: 11h19m15s
